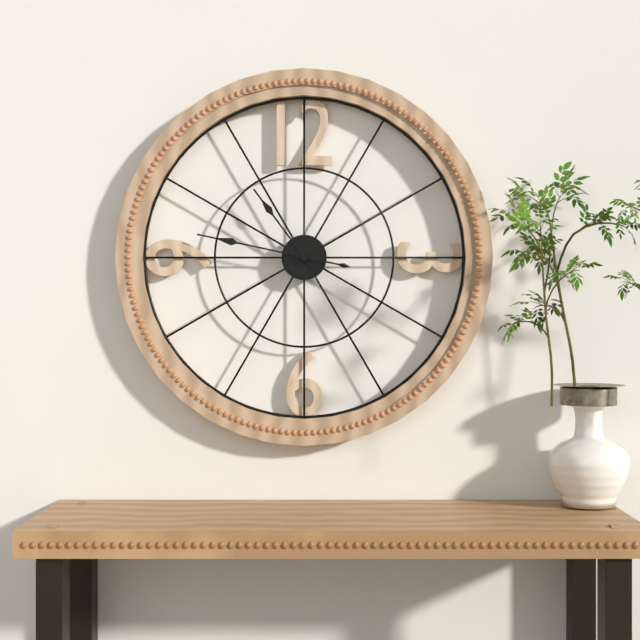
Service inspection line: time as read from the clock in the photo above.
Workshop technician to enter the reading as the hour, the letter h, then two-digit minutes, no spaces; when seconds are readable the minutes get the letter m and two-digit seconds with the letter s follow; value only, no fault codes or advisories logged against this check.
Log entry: 10h47
